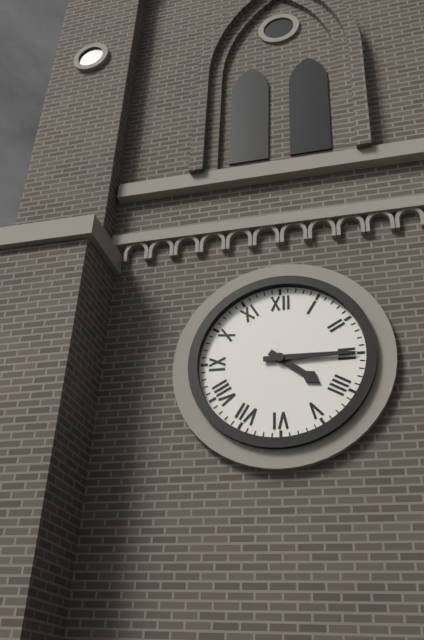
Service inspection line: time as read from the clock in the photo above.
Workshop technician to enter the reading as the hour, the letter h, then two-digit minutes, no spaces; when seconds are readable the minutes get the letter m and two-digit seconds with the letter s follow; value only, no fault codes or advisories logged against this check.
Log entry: 4h15
